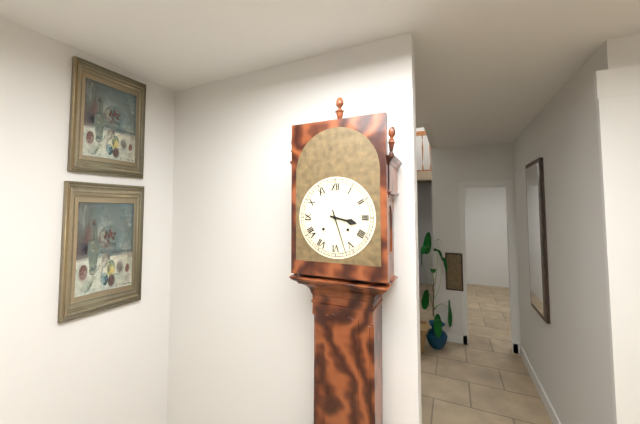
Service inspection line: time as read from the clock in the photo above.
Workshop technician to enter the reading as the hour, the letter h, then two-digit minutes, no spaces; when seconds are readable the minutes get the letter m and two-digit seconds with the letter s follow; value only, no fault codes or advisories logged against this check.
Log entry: 3h27
